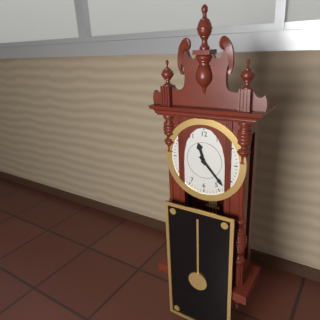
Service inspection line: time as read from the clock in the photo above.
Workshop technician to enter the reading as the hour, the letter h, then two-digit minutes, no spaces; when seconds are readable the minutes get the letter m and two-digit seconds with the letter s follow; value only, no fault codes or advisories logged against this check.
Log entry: 11h23
